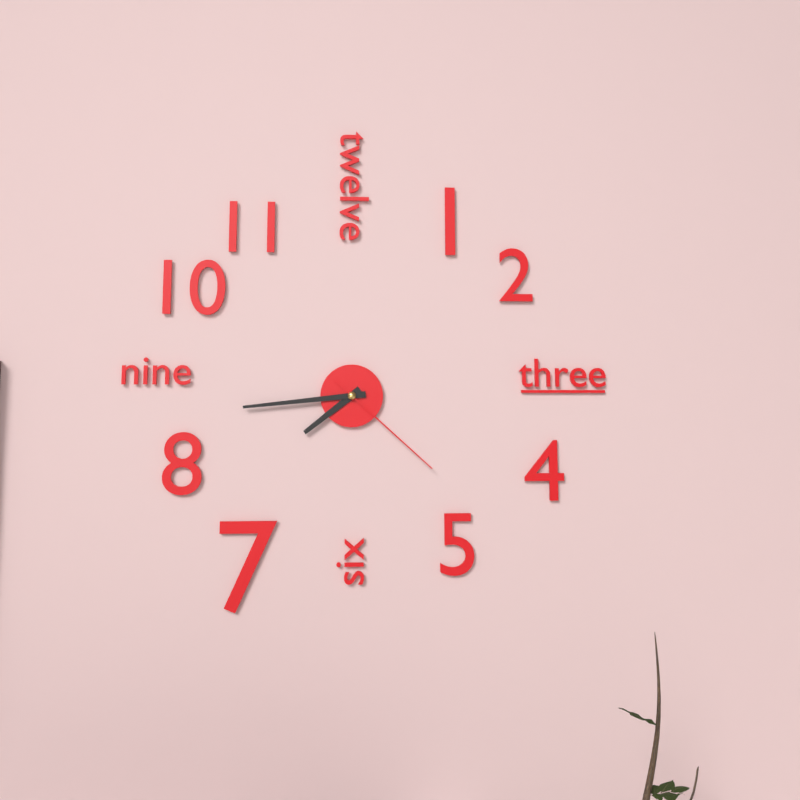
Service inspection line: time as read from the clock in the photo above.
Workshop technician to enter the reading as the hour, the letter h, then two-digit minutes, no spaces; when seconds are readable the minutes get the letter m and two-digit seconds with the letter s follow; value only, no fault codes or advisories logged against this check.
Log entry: 7h44m22s
